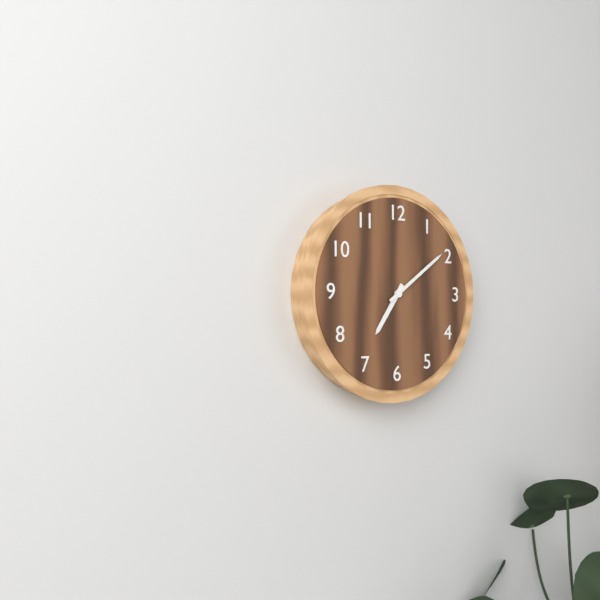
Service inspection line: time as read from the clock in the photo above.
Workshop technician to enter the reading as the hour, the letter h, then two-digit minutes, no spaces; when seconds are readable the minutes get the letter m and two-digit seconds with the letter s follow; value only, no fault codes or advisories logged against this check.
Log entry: 7h09
